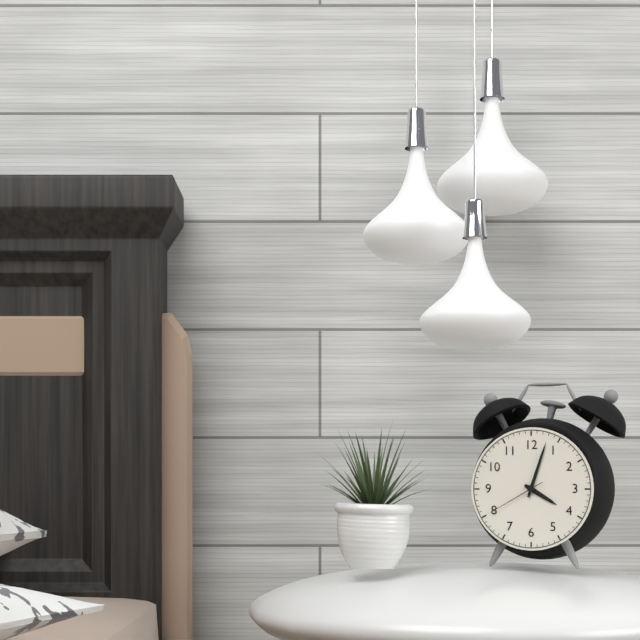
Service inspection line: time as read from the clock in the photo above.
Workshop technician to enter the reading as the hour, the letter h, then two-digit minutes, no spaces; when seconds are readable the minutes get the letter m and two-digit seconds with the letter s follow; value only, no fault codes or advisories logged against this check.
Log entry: 4h03m40s
